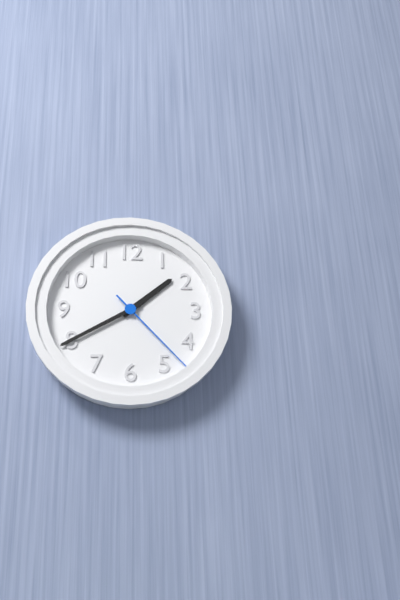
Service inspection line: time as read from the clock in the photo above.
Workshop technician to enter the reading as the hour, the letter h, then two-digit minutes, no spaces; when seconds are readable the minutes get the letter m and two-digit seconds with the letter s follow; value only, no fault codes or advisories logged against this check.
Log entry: 1h40m23s
